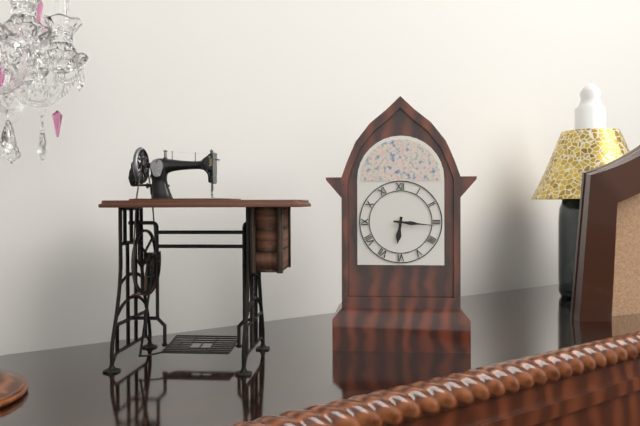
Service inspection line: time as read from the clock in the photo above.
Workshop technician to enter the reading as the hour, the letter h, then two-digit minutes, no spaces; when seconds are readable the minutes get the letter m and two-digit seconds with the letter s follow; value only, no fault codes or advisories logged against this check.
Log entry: 6h16
